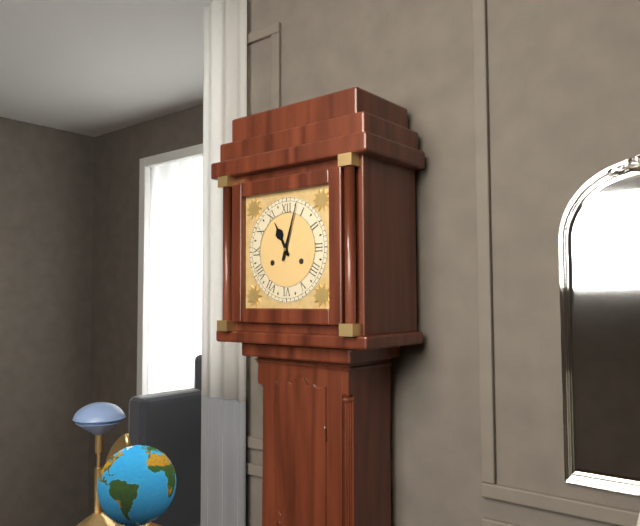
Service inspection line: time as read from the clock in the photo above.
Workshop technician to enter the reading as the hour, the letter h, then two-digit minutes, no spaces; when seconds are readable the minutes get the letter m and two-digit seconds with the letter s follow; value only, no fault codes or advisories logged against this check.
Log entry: 11h03
